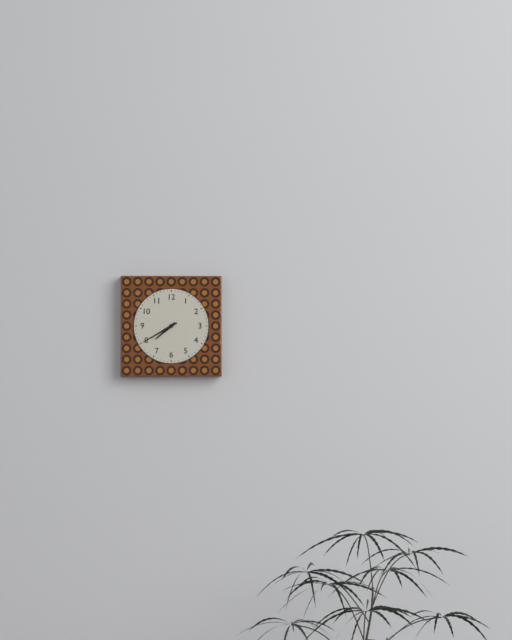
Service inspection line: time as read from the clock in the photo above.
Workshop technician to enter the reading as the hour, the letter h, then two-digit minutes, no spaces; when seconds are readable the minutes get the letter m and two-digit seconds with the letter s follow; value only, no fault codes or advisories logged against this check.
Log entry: 7h40
